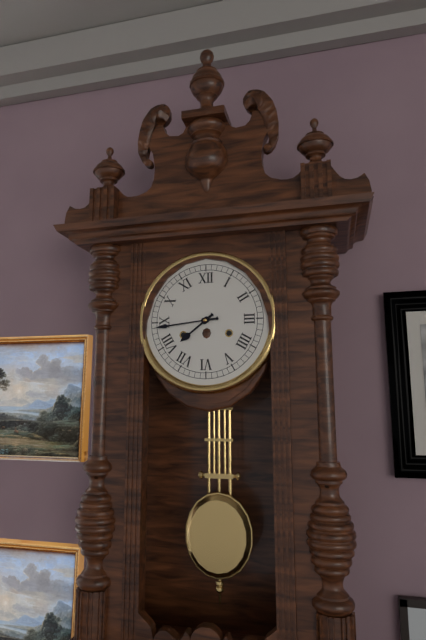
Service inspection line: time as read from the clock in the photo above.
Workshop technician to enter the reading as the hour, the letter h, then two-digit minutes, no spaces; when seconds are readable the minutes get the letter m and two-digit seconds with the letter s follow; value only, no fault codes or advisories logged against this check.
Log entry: 7h44
